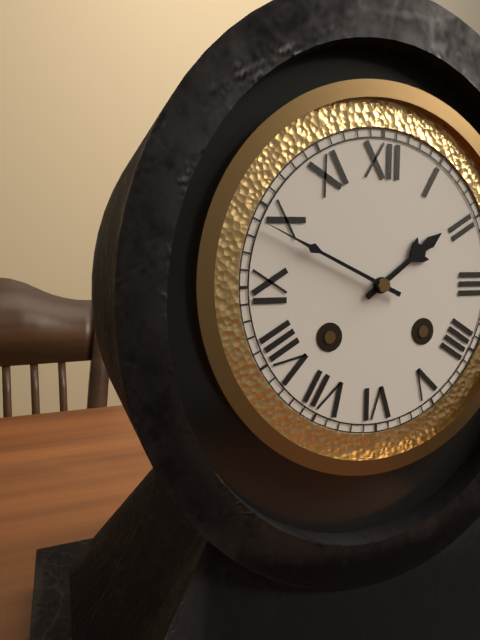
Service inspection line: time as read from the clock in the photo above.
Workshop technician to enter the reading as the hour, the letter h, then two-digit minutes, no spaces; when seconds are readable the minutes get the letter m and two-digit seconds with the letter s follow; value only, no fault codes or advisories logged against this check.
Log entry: 1h49
